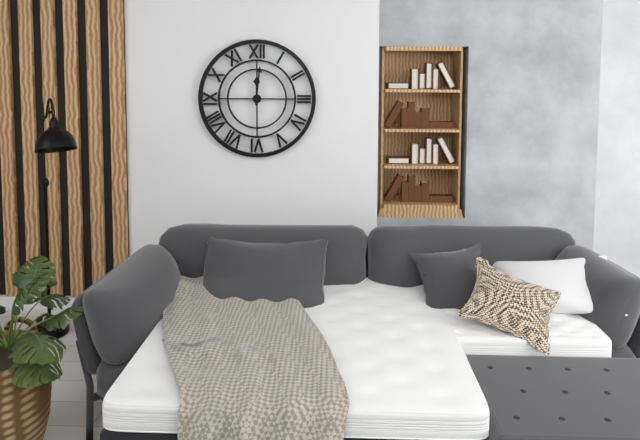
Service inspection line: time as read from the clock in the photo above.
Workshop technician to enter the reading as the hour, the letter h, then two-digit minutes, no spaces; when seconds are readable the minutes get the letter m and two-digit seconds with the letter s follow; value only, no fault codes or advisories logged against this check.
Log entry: 12h01
